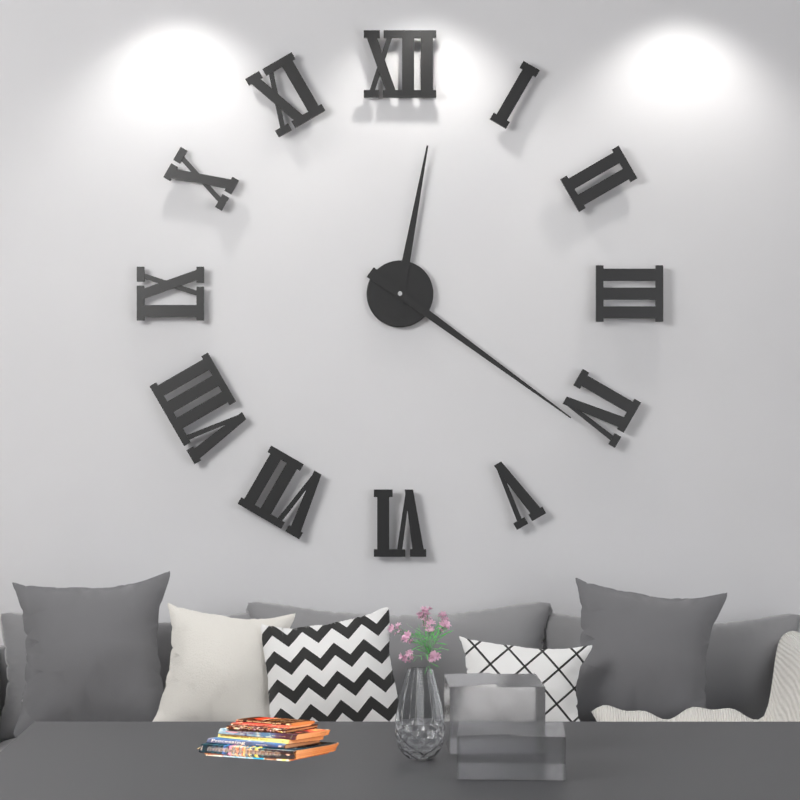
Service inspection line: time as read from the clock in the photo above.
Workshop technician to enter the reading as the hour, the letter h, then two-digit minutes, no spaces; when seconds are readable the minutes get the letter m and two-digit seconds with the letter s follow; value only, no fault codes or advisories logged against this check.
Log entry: 12h21
